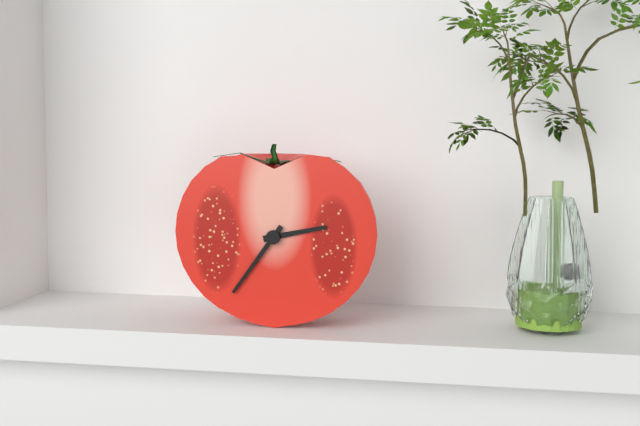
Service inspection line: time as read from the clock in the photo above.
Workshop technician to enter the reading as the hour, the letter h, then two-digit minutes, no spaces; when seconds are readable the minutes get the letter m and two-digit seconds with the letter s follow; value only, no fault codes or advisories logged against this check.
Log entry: 2h36
